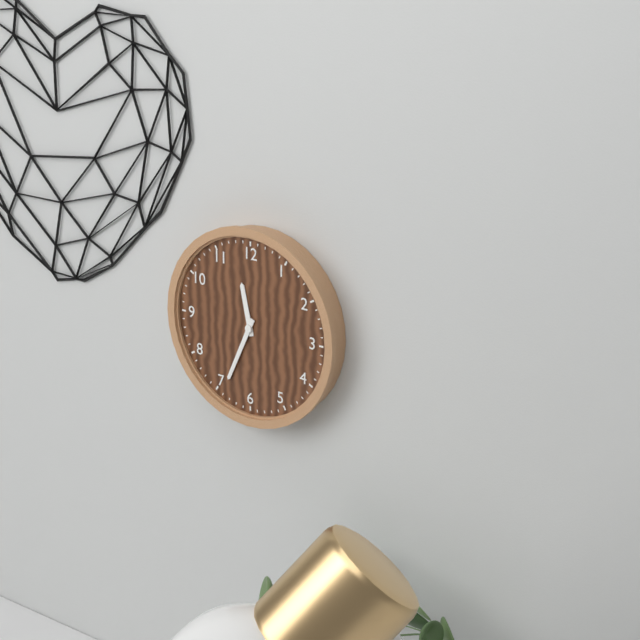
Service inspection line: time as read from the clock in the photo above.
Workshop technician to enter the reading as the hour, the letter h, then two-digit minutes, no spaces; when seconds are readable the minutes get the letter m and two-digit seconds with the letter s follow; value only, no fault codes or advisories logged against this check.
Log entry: 11h34
